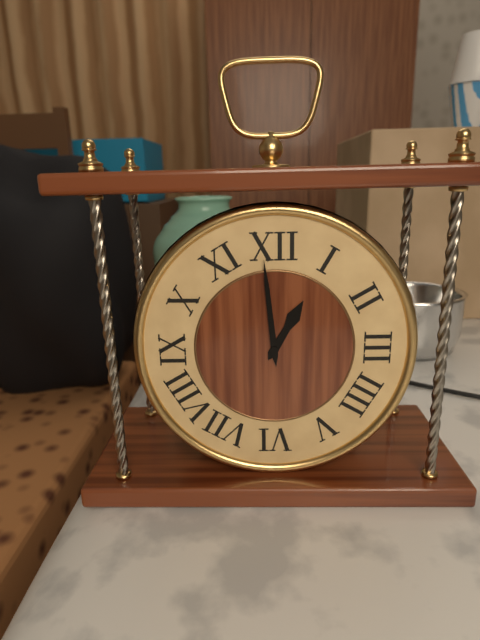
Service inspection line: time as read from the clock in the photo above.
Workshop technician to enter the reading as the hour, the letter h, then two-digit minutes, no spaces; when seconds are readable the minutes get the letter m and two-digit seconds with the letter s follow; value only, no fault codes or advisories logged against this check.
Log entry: 12h59
